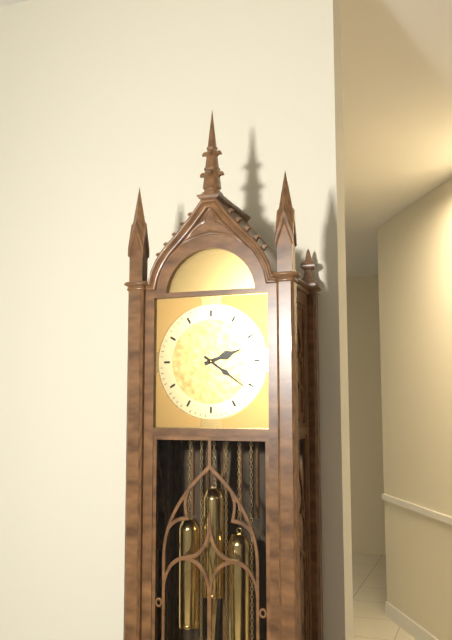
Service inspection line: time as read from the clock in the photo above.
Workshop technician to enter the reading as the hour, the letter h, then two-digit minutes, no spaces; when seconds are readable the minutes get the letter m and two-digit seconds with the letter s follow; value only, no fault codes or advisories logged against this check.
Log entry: 2h21
